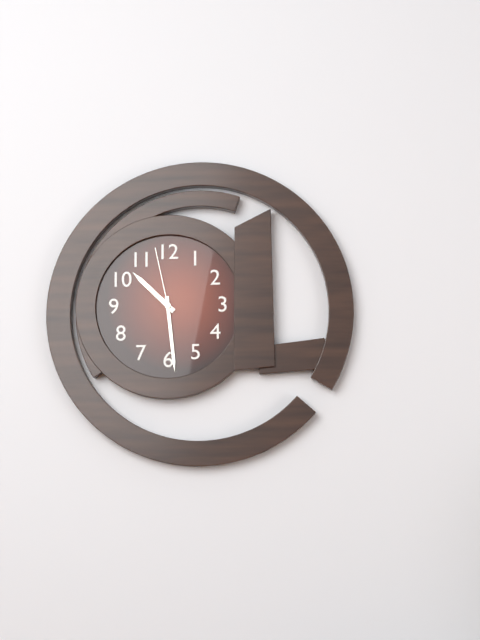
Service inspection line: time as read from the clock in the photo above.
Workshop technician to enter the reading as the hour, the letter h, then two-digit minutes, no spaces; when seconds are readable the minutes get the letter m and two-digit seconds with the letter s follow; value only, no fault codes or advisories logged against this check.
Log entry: 10h29m58s
